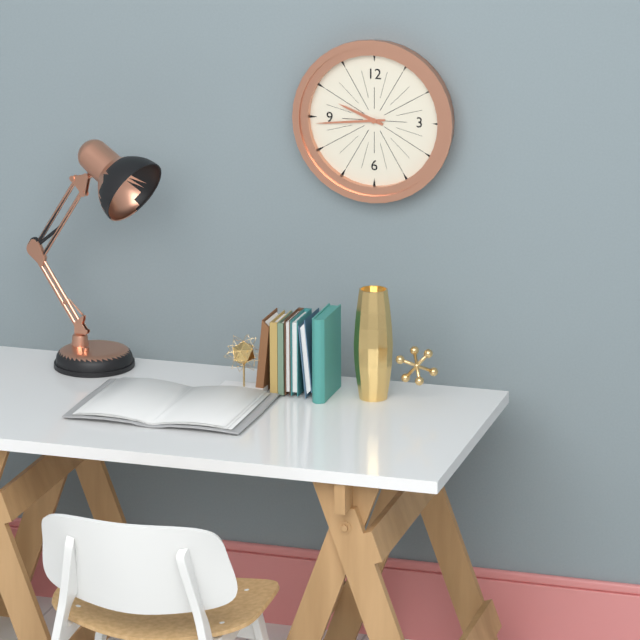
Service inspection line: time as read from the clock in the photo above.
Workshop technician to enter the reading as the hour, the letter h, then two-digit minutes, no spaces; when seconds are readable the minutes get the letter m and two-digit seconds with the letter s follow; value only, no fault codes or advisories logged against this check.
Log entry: 9h44
